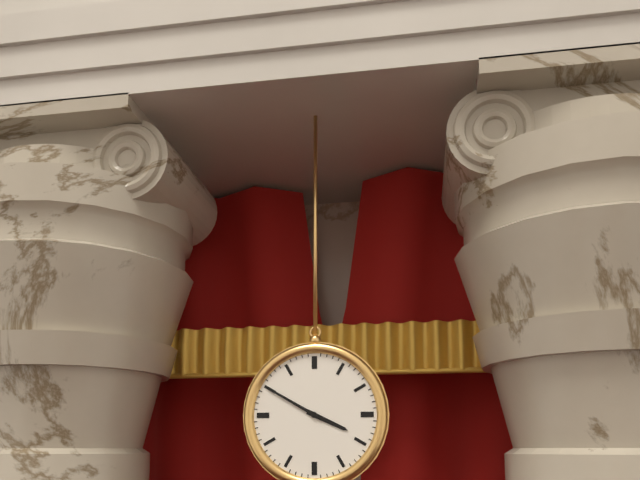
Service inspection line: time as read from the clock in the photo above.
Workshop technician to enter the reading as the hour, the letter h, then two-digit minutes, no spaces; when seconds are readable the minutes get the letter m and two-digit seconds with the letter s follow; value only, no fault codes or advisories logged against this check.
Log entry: 3h50
